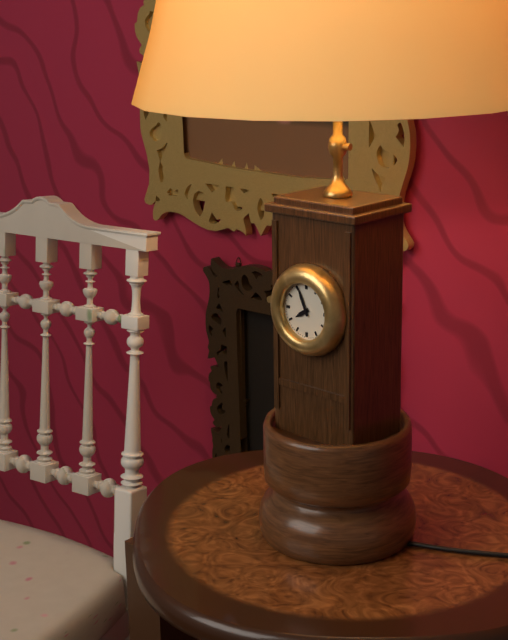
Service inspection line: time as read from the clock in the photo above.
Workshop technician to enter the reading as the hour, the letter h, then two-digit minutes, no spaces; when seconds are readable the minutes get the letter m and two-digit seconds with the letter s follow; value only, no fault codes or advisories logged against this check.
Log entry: 7h56
